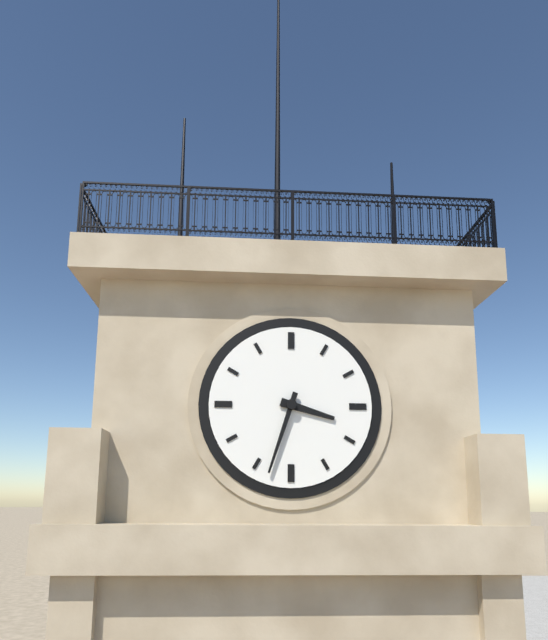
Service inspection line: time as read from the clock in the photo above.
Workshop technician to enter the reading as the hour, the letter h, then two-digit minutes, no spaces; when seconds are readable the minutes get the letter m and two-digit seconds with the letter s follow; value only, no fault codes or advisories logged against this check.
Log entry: 3h33
